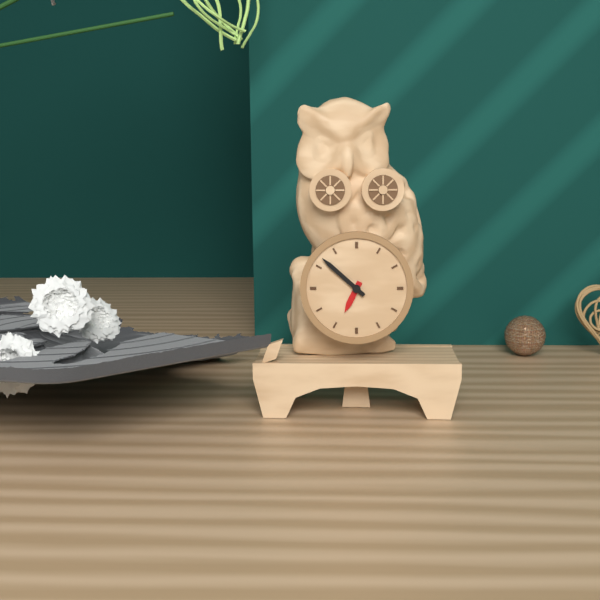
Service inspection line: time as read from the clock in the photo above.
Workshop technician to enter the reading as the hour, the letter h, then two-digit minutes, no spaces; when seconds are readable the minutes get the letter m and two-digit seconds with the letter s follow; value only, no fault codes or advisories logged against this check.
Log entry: 6h52
